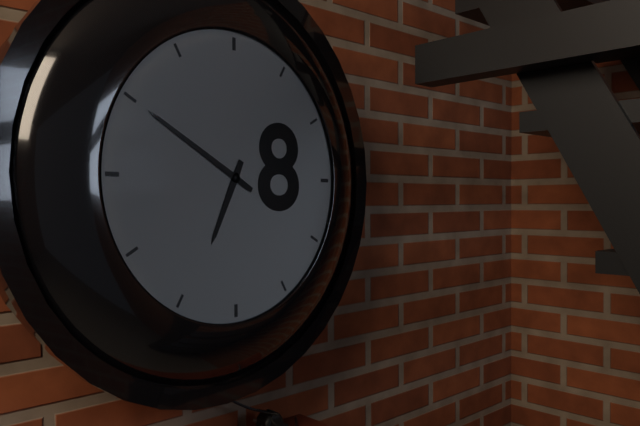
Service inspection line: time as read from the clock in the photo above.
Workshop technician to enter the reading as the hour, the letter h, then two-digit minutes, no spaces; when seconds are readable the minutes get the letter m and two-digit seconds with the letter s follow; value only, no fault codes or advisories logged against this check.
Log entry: 6h50
